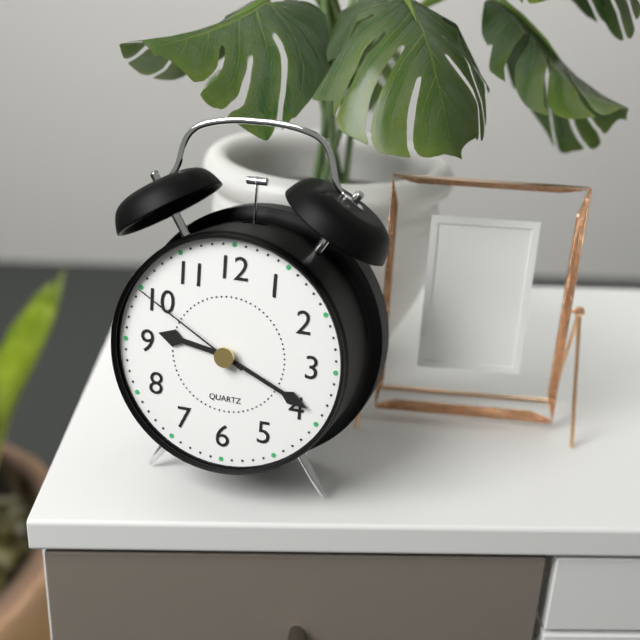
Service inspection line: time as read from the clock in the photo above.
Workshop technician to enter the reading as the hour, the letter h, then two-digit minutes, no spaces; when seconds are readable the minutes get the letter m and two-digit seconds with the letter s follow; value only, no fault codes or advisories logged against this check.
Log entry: 9h19m50s
